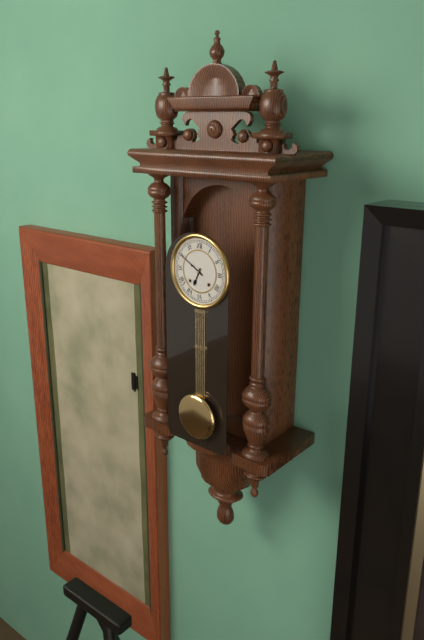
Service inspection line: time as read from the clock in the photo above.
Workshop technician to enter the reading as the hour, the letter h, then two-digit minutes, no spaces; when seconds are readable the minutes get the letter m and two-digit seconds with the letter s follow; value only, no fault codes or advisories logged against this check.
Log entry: 6h50
